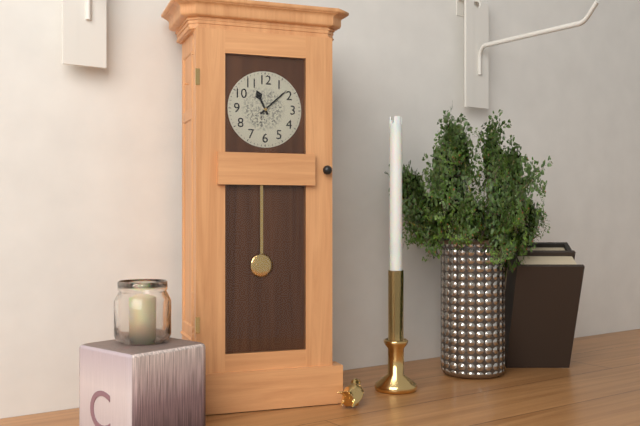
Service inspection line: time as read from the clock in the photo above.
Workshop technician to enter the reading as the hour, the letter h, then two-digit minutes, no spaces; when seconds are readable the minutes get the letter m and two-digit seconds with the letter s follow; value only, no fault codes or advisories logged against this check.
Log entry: 11h08
